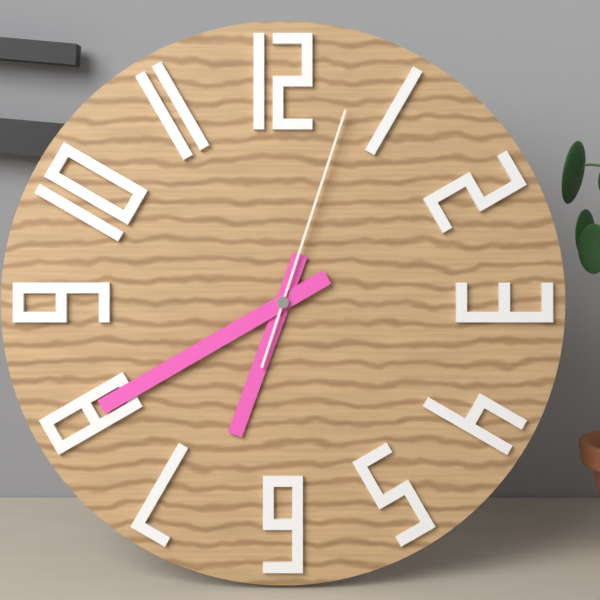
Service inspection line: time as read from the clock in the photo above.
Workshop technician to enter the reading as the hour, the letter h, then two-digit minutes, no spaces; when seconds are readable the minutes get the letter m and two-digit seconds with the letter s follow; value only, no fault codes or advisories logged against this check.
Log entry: 6h40m03s
